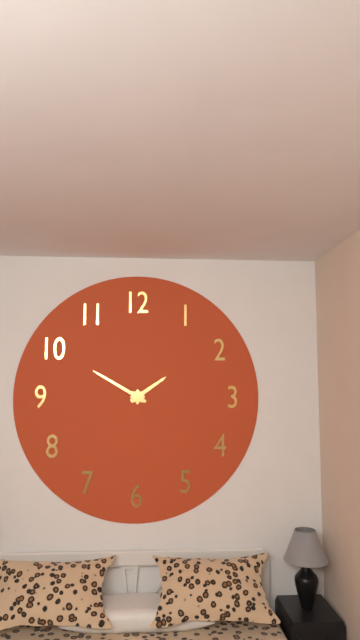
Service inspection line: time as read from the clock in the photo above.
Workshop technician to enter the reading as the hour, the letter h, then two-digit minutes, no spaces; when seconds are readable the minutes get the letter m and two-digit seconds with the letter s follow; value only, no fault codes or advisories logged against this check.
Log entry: 1h50
